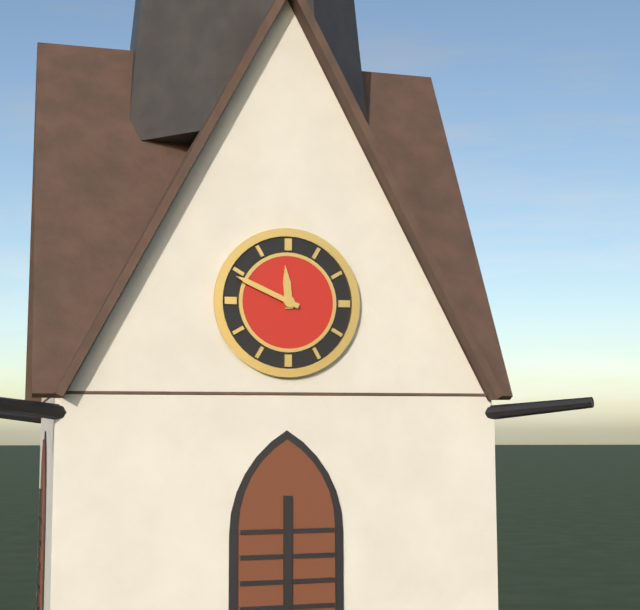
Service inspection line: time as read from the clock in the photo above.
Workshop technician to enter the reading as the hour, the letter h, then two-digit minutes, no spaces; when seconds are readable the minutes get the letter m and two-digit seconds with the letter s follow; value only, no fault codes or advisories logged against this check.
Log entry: 11h49
